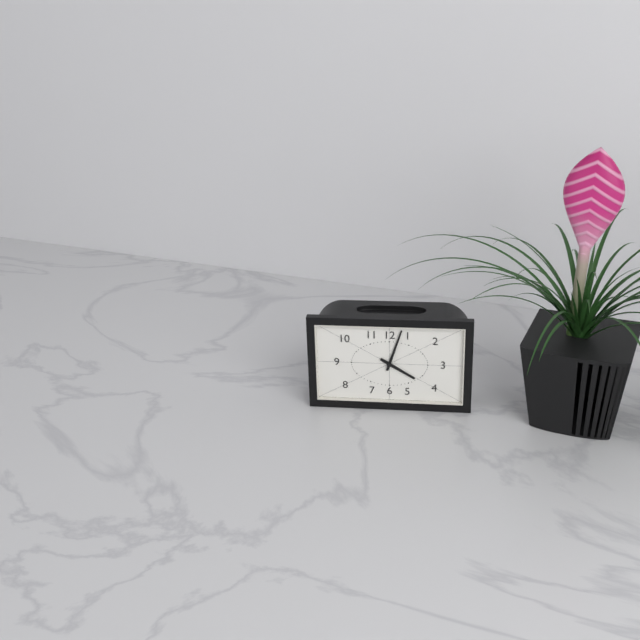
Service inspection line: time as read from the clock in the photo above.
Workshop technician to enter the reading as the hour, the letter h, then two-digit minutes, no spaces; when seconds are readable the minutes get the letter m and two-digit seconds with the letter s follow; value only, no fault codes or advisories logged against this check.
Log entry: 4h03
